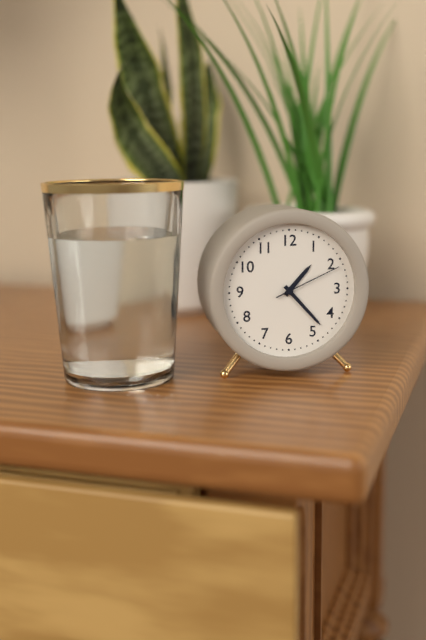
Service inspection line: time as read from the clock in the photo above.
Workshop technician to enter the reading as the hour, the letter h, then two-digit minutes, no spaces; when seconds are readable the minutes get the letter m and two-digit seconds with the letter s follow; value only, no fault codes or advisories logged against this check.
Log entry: 1h23m11s
